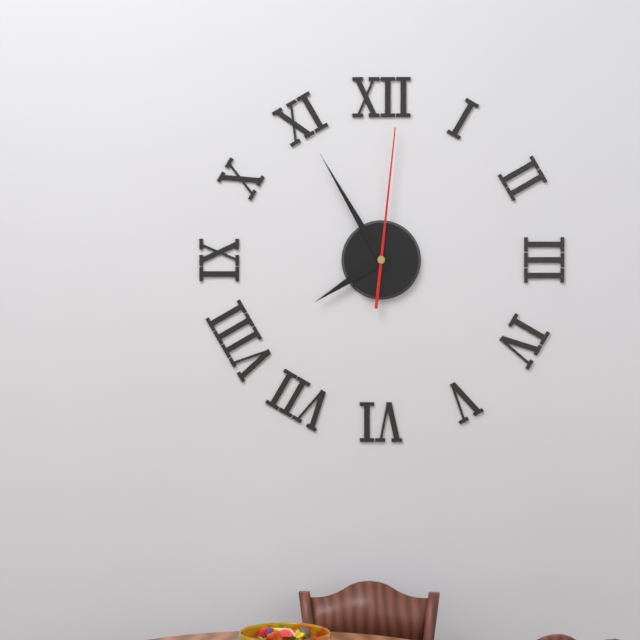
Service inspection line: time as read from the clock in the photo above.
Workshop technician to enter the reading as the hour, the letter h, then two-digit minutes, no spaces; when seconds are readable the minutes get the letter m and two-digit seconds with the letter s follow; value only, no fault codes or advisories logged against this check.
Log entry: 7h55m01s
